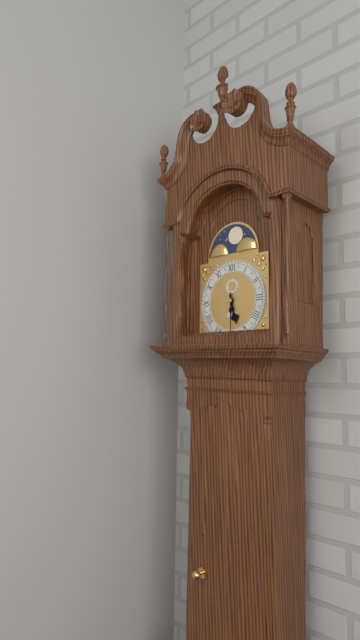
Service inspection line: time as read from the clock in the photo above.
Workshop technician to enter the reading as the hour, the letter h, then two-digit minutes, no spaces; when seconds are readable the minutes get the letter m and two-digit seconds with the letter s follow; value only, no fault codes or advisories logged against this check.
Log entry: 5h30
